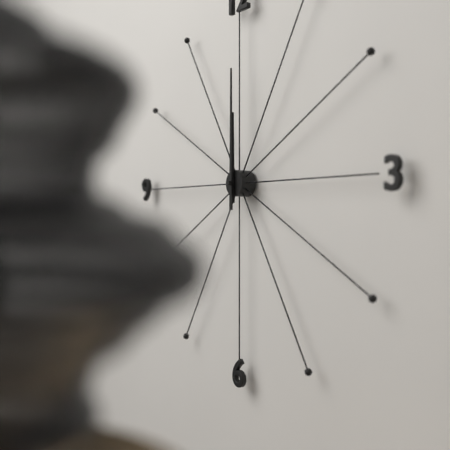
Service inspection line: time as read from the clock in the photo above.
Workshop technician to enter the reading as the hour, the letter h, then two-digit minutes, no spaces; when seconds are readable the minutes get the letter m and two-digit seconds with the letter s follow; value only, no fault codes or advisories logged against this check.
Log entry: 12h00
